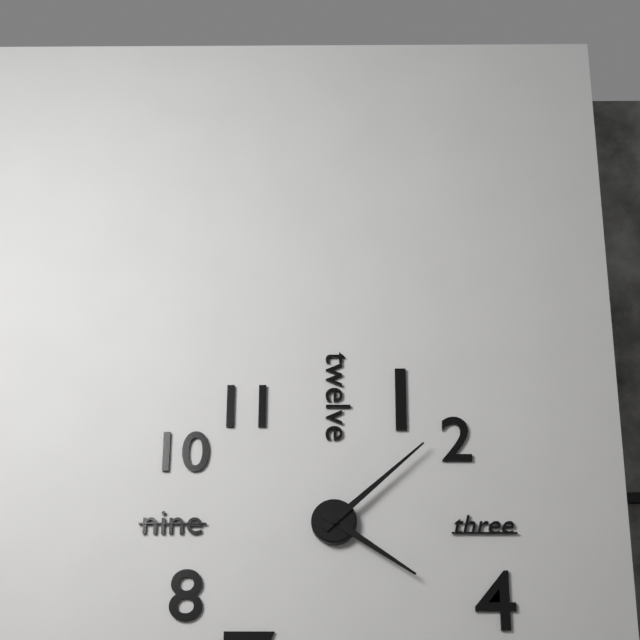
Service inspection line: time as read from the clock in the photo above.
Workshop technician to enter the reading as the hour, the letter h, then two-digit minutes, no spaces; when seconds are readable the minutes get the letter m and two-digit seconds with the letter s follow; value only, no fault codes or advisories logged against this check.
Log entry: 4h08
